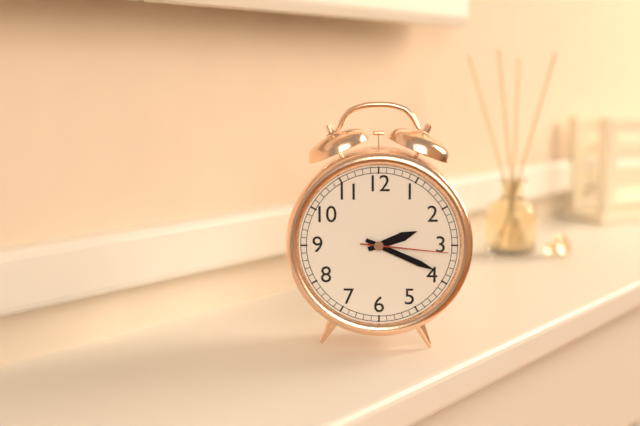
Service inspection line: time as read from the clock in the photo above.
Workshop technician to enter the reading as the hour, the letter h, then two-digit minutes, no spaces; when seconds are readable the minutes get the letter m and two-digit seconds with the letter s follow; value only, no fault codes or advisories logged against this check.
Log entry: 2h19m16s
